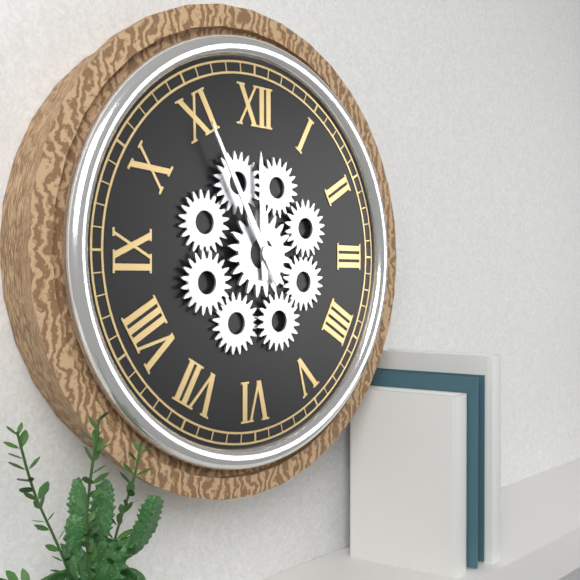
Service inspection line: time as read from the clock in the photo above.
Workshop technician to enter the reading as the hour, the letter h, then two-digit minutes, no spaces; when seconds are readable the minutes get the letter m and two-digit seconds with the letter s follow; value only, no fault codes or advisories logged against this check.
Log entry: 11h55
